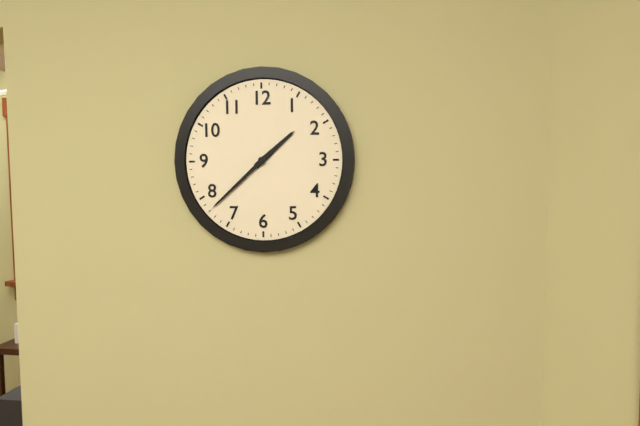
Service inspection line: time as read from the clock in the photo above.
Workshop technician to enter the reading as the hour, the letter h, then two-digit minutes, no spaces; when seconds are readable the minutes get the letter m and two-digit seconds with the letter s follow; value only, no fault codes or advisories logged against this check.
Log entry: 1h38
